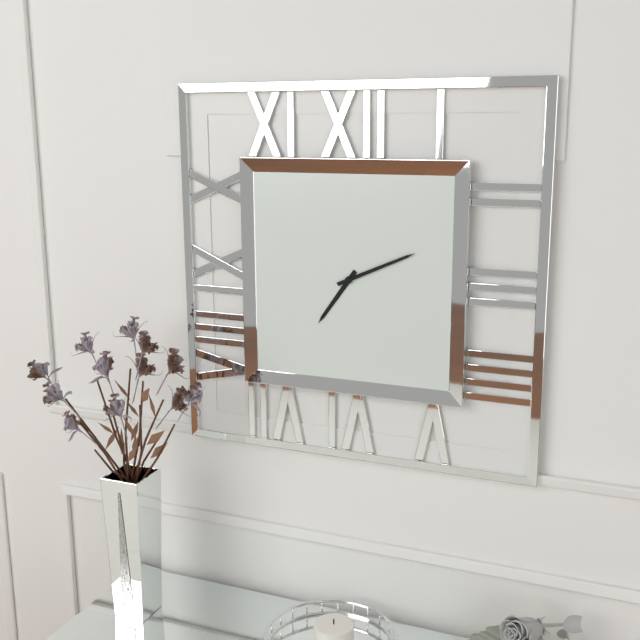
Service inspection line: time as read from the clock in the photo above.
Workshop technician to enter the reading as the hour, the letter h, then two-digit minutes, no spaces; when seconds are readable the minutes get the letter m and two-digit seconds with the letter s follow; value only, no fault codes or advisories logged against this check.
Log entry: 7h11
